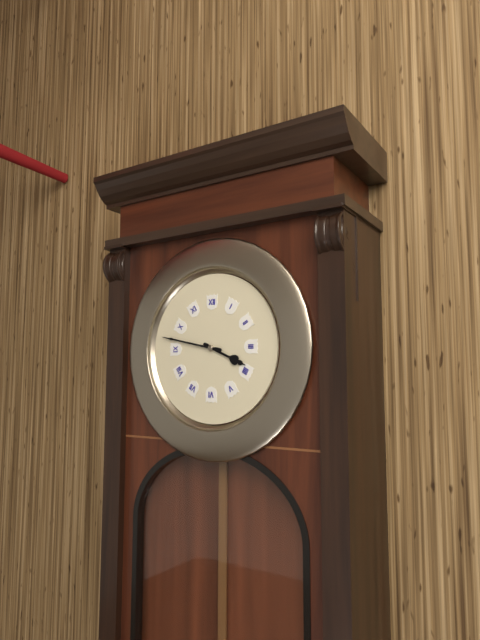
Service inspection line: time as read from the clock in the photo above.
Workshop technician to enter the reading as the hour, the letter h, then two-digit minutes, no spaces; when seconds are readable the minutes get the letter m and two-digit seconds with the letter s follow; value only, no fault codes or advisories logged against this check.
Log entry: 3h47
